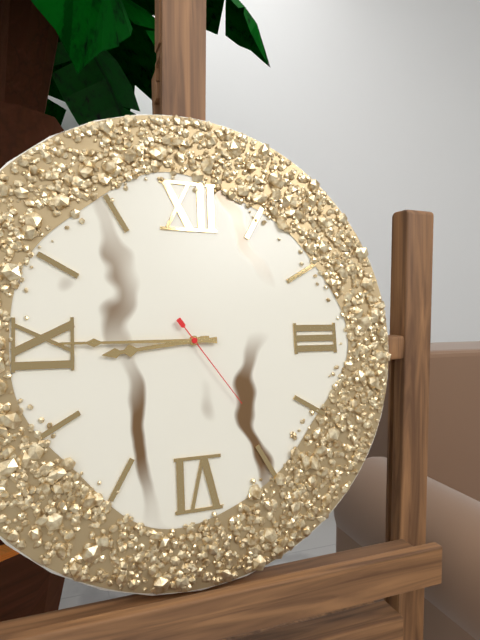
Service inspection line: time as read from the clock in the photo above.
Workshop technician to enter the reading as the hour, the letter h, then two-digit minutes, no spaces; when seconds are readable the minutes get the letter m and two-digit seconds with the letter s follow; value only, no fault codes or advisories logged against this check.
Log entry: 8h45m24s
